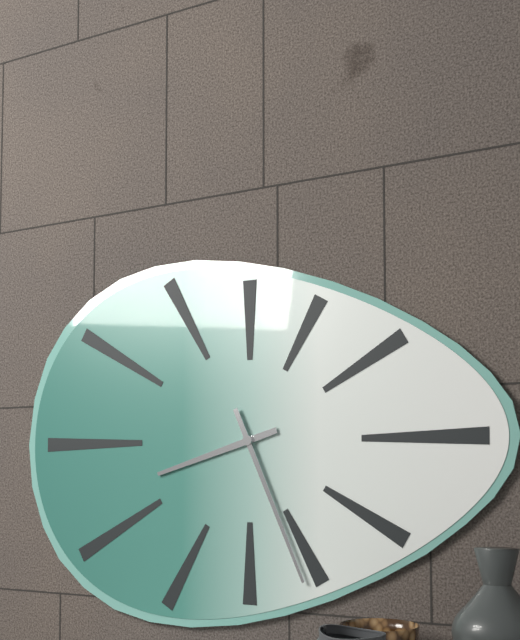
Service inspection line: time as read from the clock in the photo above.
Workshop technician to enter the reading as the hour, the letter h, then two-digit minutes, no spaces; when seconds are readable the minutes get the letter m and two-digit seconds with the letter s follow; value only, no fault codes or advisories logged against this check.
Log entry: 8h26
